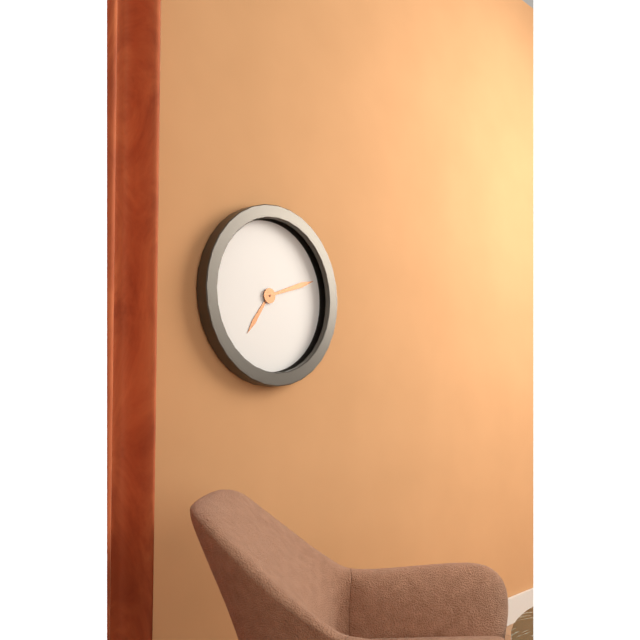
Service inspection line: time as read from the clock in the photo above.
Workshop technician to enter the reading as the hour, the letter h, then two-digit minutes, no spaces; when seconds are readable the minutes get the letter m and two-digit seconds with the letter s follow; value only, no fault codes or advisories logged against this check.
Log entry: 7h12
